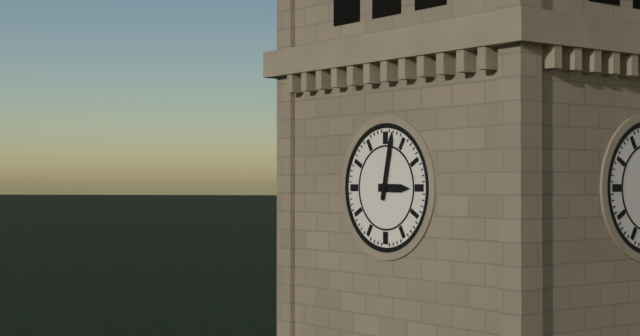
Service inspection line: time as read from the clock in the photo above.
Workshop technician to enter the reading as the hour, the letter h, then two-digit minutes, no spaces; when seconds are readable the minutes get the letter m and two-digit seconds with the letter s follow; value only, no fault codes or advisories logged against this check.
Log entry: 3h02
